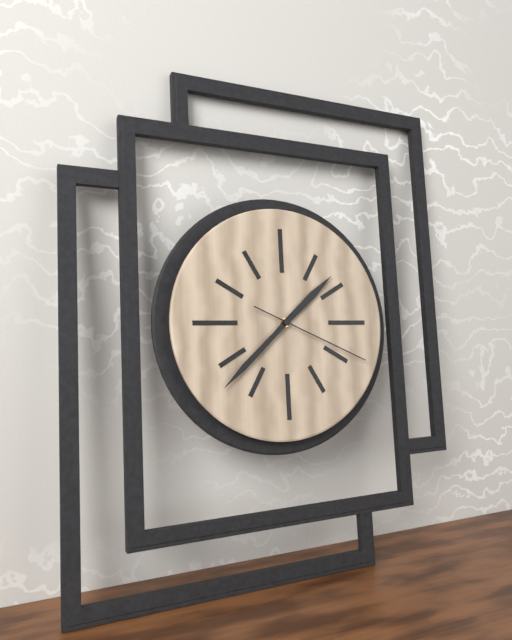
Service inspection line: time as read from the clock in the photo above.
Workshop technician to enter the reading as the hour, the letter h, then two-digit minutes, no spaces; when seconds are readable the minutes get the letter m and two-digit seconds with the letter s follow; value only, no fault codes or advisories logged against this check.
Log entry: 1h38m19s
